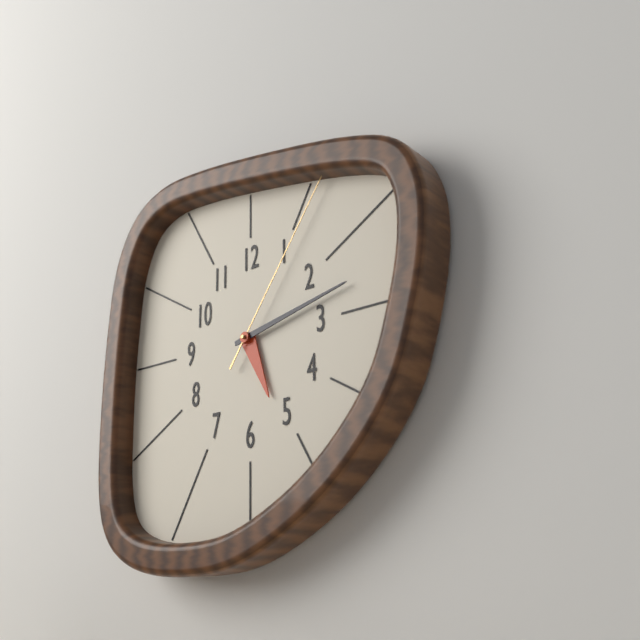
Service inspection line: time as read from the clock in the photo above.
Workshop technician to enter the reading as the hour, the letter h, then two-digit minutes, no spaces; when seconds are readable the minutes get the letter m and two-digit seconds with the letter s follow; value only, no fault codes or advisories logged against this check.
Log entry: 5h13m06s
